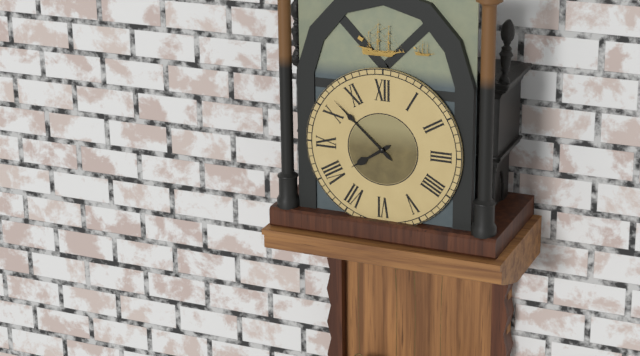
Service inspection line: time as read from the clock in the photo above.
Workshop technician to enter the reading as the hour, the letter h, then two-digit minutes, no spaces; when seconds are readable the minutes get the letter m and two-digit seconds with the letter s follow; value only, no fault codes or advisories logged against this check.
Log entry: 7h52
